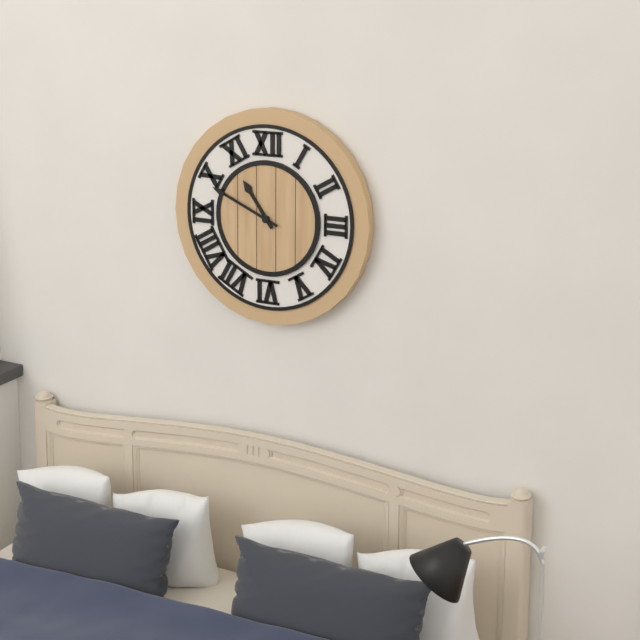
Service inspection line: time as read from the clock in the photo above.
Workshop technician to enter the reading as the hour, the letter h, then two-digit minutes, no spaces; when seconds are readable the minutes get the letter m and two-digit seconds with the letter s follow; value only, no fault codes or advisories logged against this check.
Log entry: 10h49
